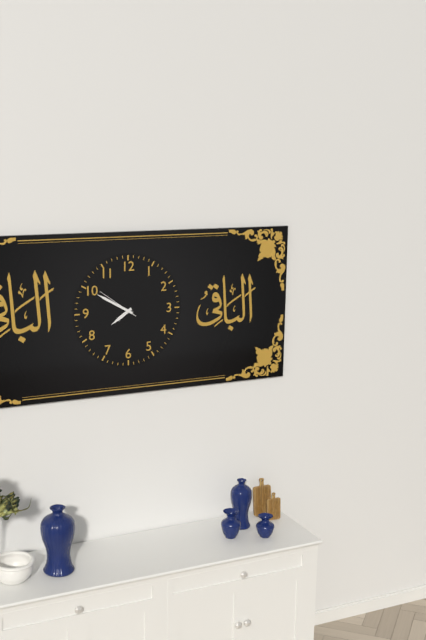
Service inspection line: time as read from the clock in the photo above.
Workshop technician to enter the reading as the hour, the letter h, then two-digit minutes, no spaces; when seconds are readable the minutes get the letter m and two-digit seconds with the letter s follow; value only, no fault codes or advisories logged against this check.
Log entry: 7h50
